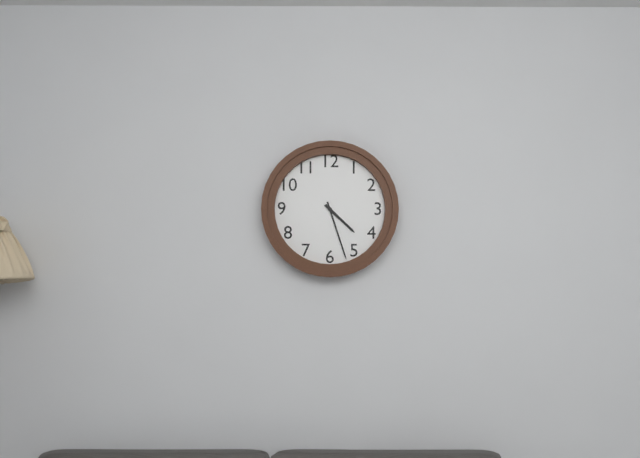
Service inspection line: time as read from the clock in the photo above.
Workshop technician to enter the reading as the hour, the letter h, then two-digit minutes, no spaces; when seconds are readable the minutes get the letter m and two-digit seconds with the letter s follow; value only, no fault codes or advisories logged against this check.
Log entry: 4h27
